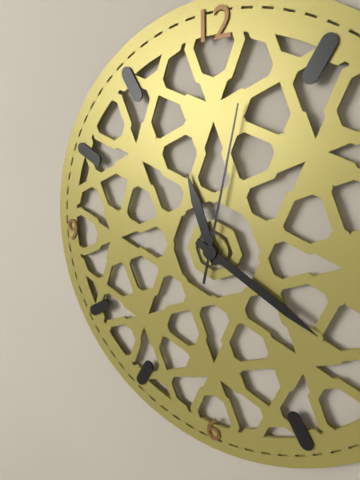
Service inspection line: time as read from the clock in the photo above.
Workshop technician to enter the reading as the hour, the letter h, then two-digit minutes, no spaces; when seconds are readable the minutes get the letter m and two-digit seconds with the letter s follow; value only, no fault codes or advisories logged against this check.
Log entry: 11h20m02s
